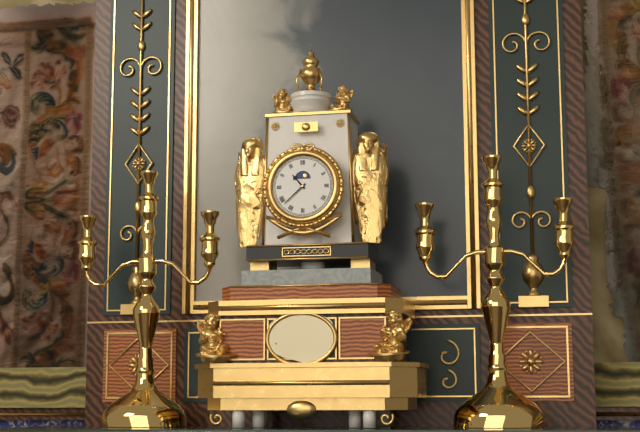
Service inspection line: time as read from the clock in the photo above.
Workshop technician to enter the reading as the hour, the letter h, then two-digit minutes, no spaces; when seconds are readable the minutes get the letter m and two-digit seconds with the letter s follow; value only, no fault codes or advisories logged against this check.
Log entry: 10h38
